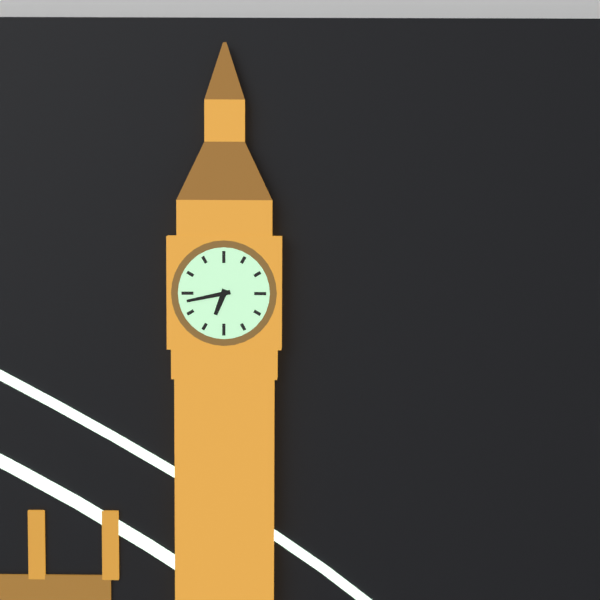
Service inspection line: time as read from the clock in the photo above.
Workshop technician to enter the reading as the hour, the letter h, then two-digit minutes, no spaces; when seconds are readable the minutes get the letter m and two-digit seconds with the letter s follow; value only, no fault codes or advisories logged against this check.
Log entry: 6h43
